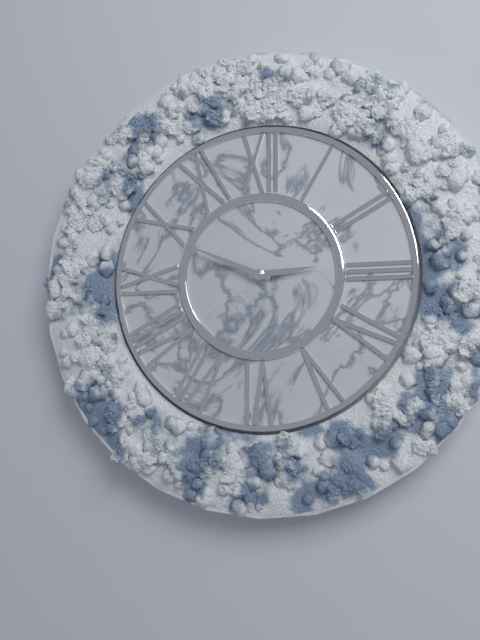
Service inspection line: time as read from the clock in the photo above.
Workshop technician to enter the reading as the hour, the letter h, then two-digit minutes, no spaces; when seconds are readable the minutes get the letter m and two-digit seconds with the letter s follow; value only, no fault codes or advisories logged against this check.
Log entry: 2h49
